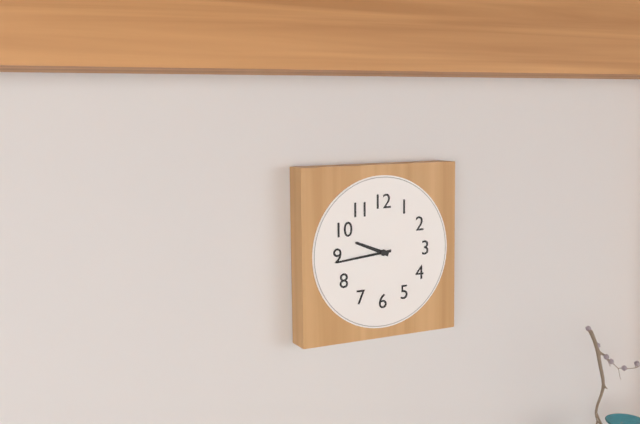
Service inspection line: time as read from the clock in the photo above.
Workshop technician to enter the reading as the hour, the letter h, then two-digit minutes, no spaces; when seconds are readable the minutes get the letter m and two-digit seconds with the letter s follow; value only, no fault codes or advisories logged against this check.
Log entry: 9h44
